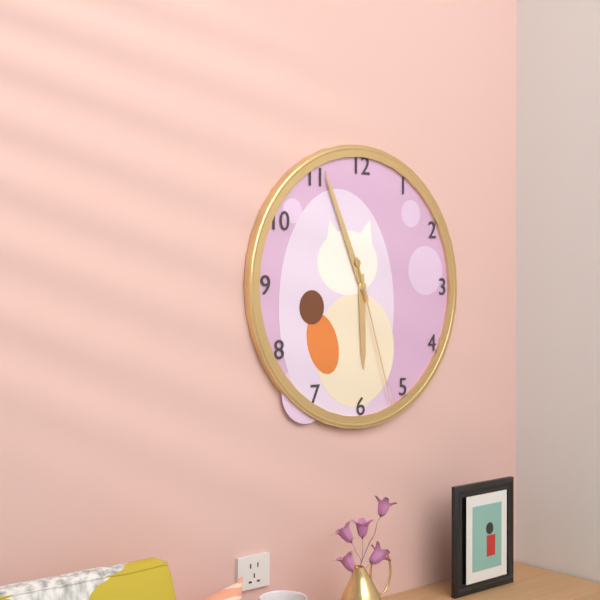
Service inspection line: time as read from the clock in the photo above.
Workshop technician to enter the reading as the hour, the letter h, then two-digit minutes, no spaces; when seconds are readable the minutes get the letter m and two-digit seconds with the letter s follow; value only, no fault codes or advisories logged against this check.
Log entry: 5h56m27s
